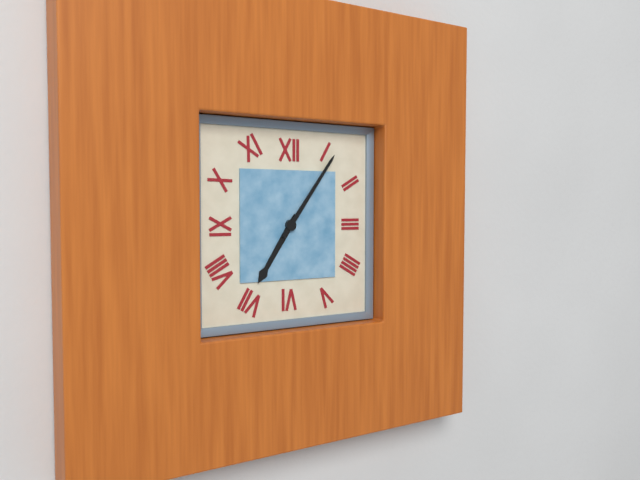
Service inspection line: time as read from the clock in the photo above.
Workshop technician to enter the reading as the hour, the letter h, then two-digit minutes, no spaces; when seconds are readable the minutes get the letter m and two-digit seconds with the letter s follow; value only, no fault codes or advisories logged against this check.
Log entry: 7h06
